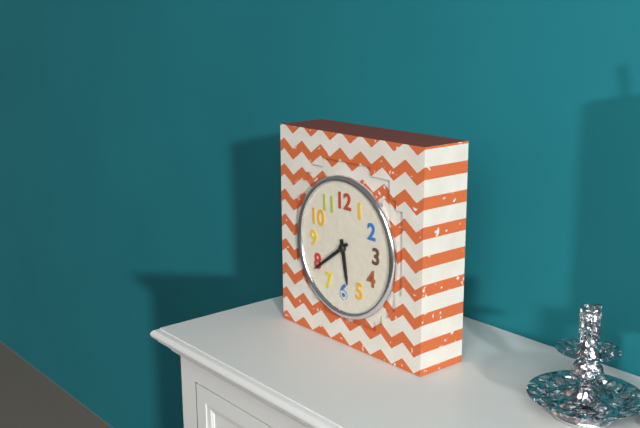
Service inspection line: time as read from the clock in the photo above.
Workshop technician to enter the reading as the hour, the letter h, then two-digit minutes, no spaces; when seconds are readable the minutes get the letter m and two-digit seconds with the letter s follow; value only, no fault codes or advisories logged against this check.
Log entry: 5h39
